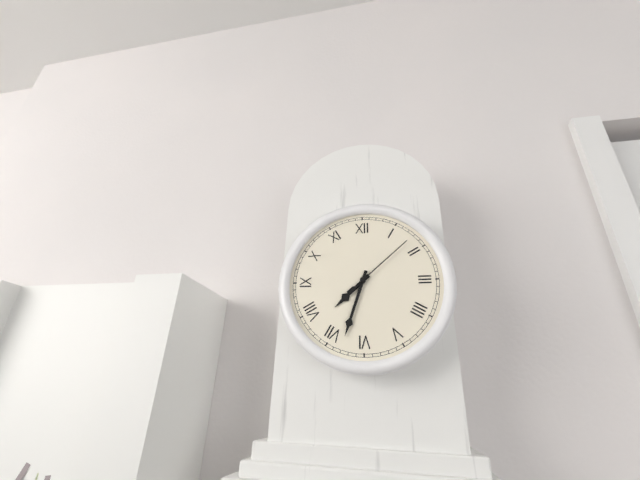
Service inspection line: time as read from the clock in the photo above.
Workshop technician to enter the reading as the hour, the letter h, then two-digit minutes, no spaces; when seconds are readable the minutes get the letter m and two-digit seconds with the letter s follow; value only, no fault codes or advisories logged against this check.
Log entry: 7h33m08s
